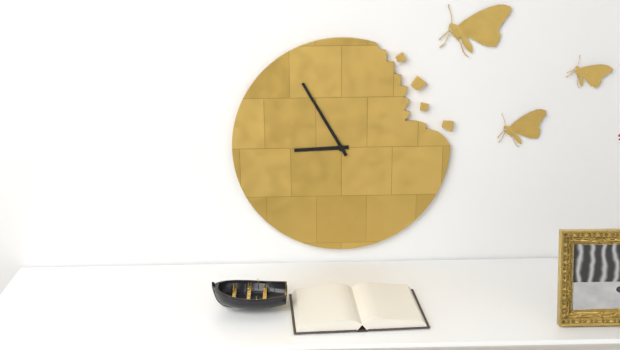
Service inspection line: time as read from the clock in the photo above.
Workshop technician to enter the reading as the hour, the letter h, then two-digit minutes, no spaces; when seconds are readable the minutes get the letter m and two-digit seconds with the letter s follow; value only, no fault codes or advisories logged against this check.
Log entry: 8h55
